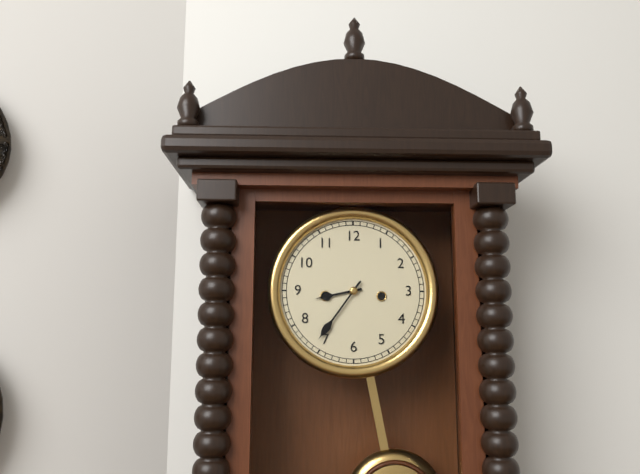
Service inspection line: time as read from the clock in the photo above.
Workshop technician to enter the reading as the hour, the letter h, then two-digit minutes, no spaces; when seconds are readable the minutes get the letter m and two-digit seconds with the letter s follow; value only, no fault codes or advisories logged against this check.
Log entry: 8h36
